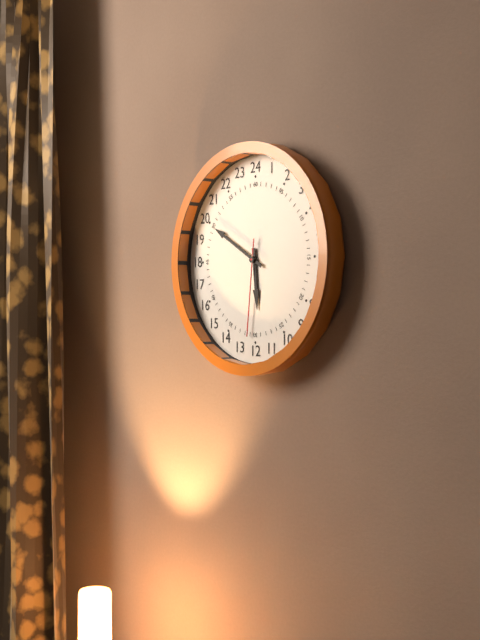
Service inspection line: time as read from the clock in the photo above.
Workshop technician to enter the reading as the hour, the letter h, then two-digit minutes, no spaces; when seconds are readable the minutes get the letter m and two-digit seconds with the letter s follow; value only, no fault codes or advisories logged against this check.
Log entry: 5h50m31s
